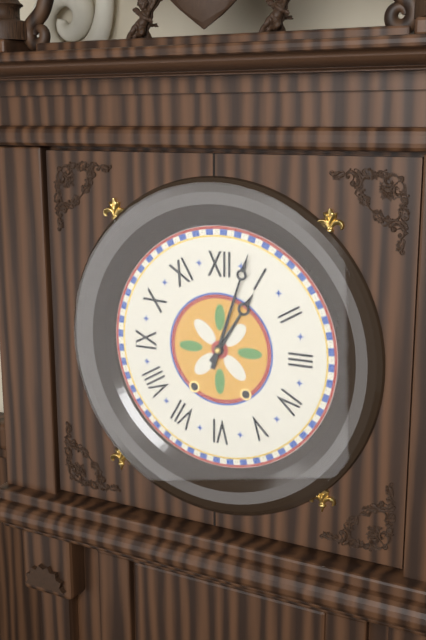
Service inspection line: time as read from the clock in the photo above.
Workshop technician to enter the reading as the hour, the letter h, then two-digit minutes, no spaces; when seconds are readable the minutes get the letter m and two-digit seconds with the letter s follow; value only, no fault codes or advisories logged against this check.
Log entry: 1h03
